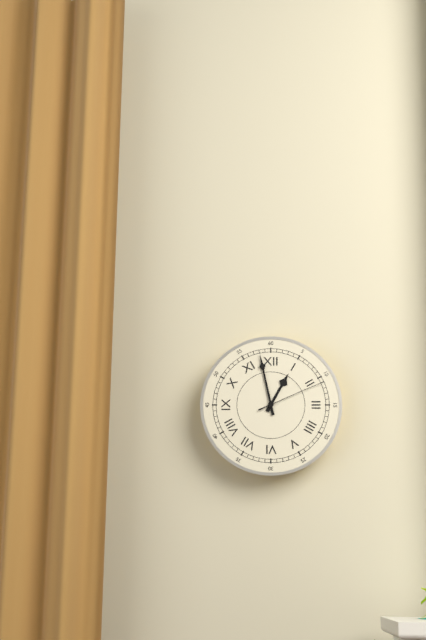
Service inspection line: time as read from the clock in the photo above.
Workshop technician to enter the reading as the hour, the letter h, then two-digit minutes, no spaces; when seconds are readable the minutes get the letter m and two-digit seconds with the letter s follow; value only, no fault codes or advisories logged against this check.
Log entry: 12h58m11s
